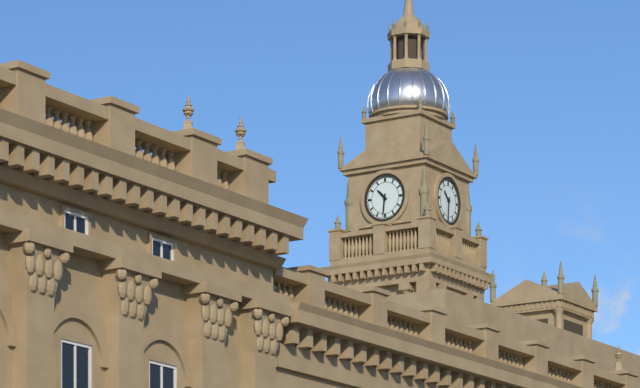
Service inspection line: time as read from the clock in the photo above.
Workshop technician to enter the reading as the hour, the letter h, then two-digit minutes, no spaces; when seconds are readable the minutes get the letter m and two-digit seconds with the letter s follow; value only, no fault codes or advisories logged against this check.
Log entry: 10h31
